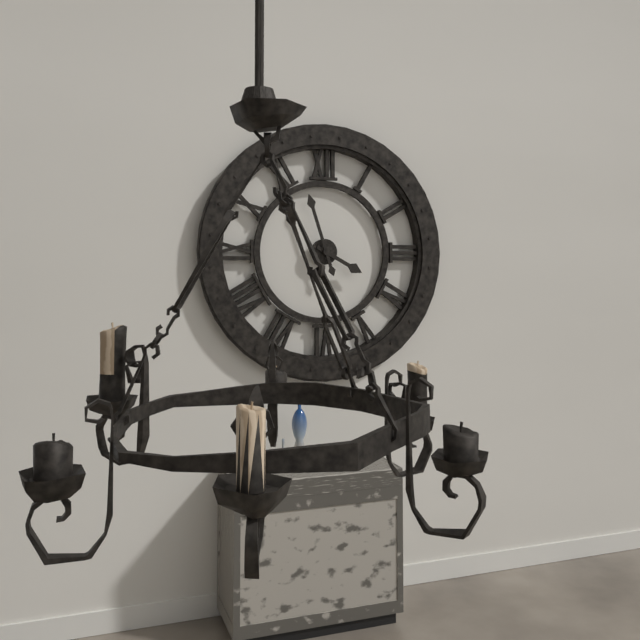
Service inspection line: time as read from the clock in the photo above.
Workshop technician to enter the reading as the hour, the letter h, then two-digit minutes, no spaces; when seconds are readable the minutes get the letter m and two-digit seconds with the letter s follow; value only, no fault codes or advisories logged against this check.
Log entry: 3h57
